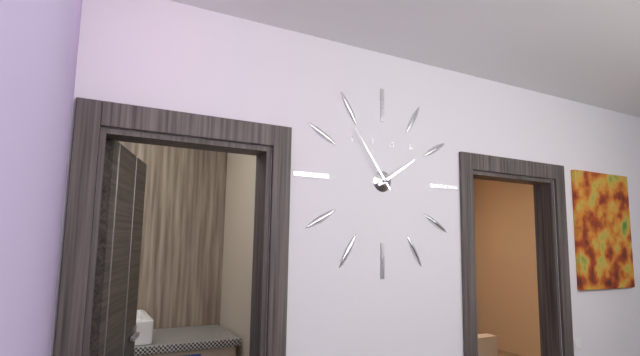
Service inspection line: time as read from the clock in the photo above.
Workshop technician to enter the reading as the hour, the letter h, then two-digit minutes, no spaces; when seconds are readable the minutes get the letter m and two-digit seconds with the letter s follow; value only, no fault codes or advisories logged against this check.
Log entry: 1h54
